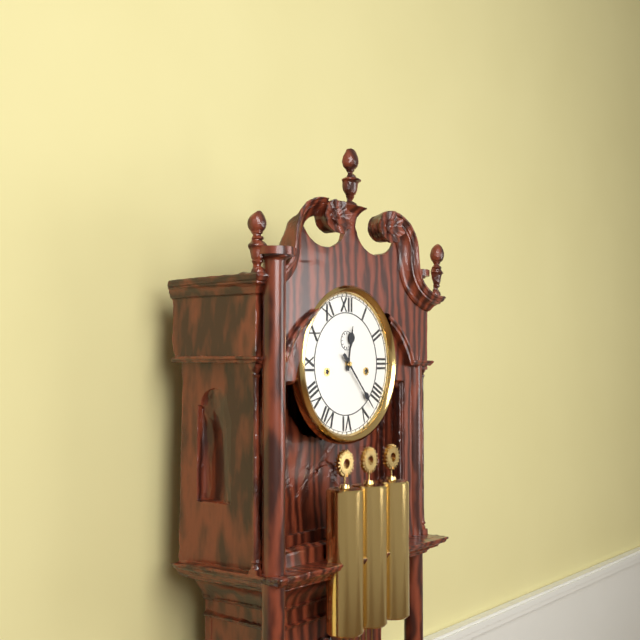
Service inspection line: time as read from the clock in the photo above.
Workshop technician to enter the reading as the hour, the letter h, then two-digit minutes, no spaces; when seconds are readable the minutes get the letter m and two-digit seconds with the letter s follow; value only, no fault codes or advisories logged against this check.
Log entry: 12h23
